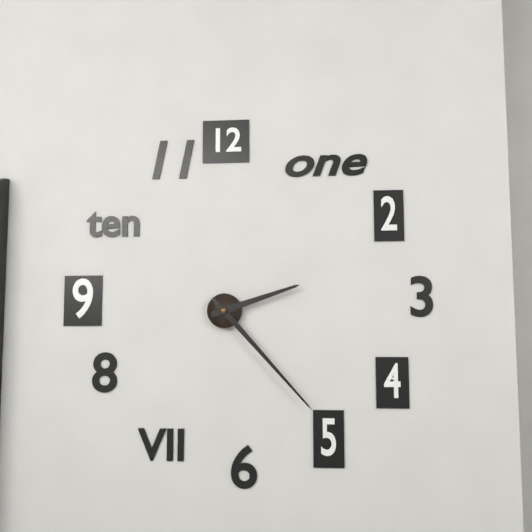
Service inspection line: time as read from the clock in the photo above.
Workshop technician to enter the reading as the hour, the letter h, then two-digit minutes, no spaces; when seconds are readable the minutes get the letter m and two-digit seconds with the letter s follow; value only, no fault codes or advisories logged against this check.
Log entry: 2h23
